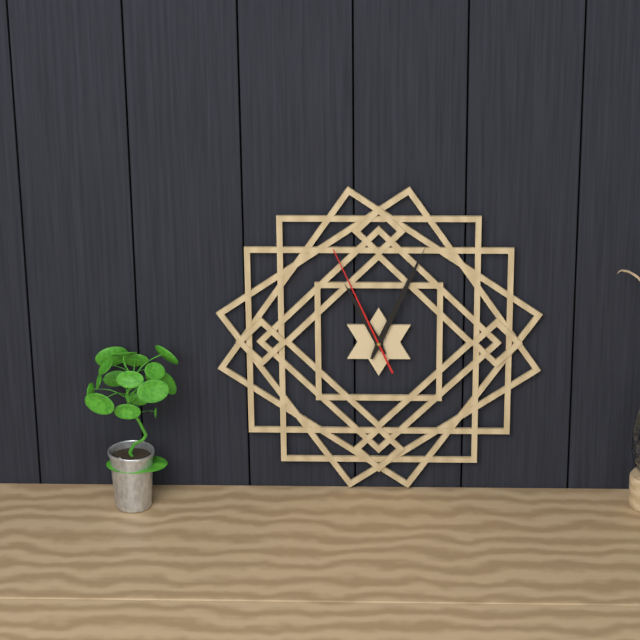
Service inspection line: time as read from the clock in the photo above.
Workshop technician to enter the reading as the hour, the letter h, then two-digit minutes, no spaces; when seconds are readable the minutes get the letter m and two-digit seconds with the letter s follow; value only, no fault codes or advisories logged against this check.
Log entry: 11h04m56s
